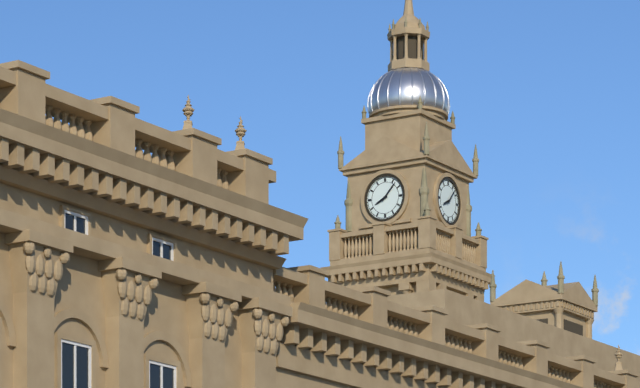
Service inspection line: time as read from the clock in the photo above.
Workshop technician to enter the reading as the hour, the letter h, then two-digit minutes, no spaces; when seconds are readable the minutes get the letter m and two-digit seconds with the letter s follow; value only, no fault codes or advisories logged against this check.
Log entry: 8h07
